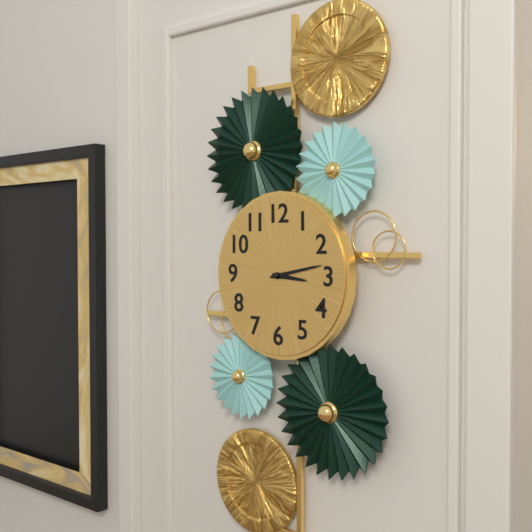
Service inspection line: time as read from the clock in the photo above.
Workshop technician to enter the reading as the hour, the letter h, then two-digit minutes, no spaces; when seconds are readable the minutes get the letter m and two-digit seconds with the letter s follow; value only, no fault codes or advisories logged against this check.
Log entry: 3h13
